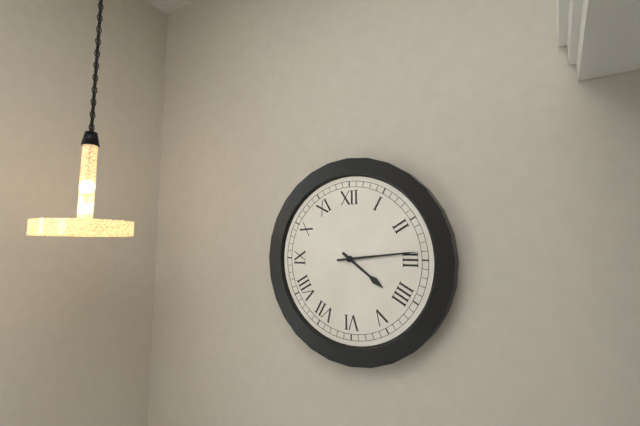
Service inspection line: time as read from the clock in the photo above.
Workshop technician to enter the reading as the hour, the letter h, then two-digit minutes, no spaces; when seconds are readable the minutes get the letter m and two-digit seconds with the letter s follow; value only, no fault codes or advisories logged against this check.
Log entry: 4h14
